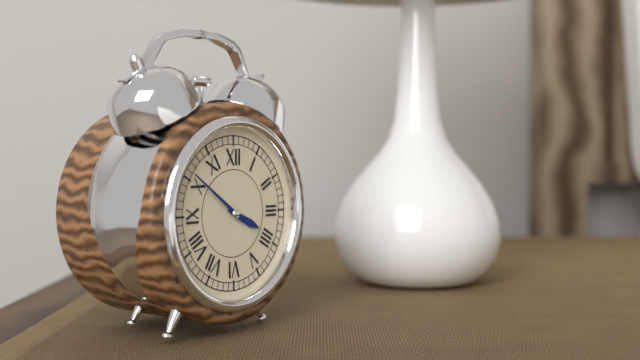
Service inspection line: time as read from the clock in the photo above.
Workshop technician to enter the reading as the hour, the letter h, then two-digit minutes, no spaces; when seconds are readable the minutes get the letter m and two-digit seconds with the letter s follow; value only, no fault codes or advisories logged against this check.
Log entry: 3h51
